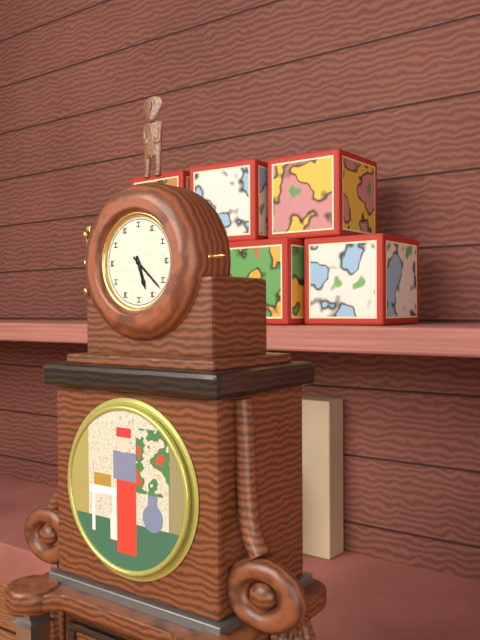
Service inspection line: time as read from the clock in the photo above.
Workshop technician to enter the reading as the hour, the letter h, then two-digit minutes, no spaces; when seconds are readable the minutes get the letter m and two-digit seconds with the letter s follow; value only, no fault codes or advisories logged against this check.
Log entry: 5h22
